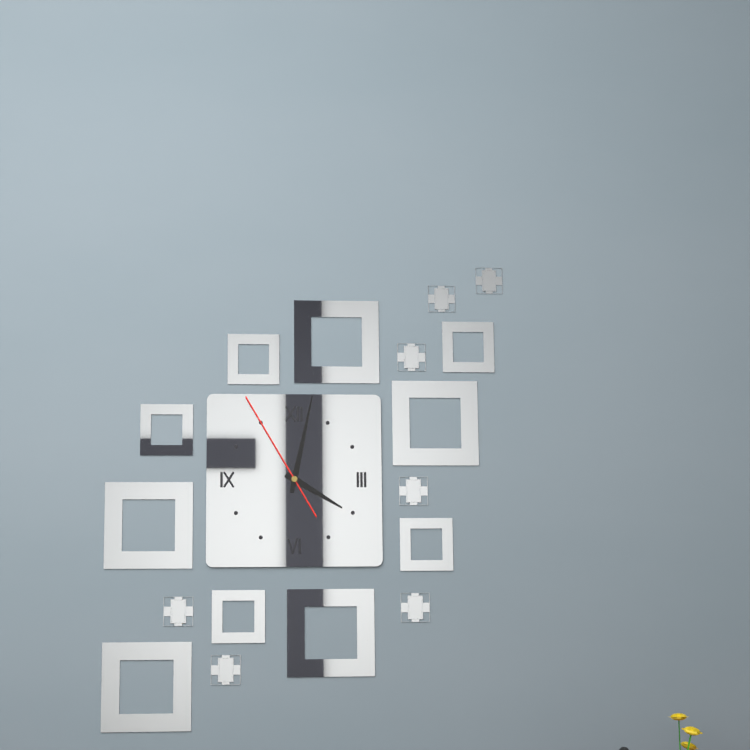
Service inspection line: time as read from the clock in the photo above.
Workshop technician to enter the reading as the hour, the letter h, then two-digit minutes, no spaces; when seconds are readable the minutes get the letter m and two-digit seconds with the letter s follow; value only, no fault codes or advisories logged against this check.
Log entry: 4h02m55s
